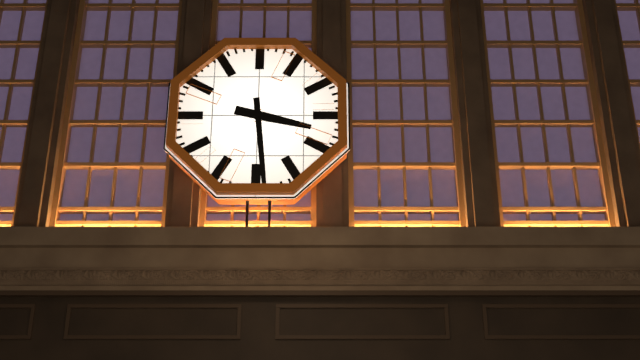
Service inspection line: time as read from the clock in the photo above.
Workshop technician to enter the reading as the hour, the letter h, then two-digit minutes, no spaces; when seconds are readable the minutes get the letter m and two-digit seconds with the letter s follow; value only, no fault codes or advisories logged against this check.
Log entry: 3h29
